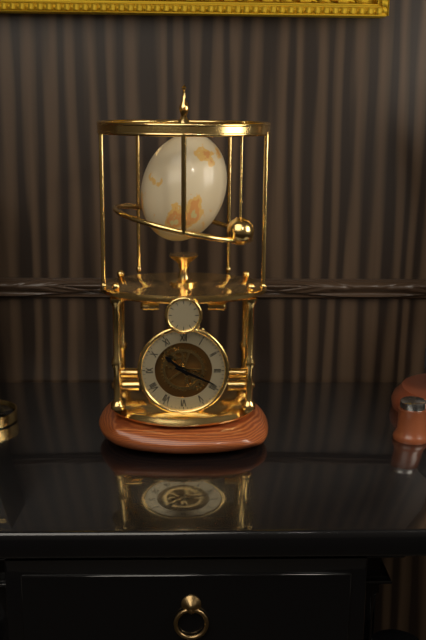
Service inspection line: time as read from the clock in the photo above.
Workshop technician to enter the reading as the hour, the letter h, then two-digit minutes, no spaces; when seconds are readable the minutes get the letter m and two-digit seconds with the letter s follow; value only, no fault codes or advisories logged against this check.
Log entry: 10h19
